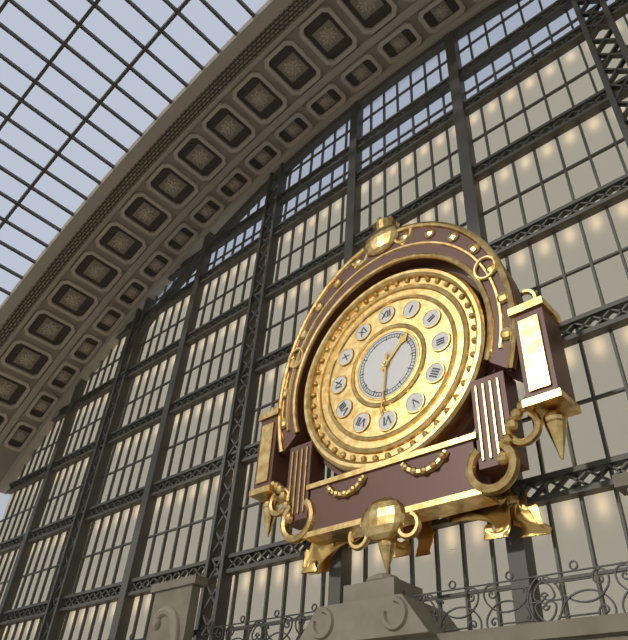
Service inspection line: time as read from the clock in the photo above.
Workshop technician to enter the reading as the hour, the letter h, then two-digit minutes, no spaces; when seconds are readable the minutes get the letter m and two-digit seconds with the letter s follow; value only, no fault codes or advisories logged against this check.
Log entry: 1h31
